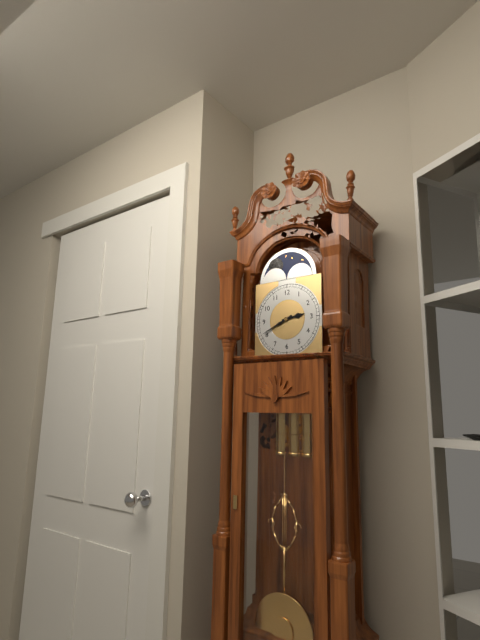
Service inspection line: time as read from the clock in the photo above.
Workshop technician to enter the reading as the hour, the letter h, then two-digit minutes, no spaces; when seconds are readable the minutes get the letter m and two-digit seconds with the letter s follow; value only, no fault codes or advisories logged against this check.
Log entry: 2h41
